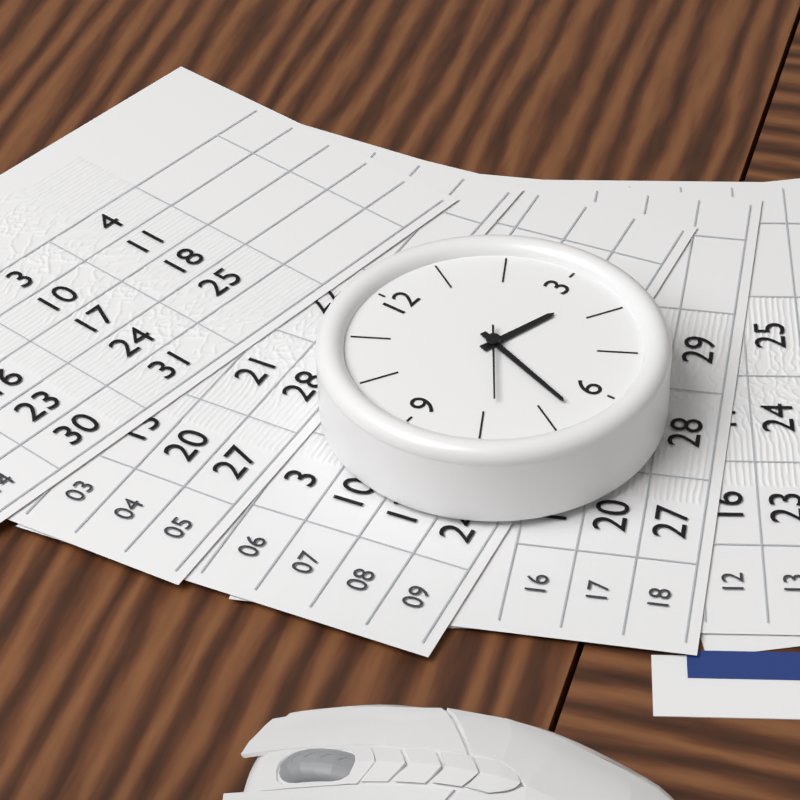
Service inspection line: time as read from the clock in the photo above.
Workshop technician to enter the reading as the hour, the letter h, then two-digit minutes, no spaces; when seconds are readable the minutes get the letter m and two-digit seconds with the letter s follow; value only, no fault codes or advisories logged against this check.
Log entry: 3h33m39s
